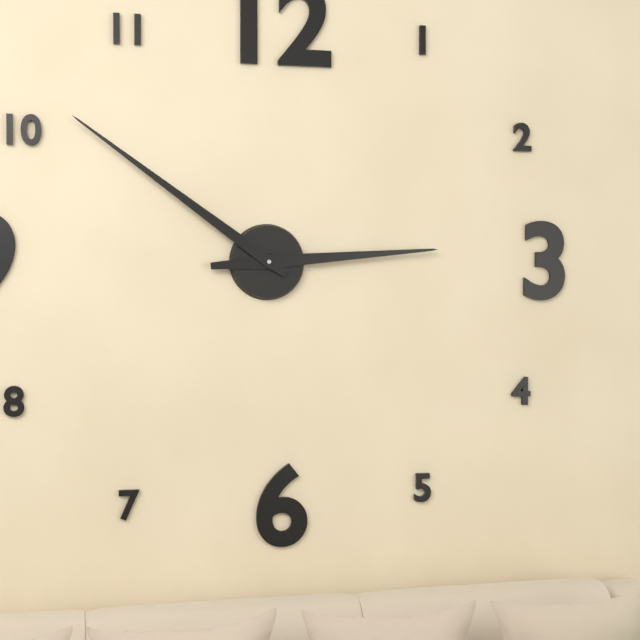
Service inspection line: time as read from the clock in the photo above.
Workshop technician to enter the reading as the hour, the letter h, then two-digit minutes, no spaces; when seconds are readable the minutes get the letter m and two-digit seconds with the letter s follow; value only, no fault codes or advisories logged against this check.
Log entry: 2h51
